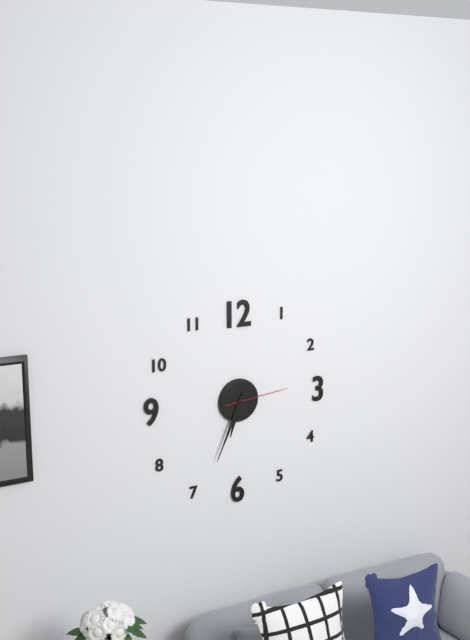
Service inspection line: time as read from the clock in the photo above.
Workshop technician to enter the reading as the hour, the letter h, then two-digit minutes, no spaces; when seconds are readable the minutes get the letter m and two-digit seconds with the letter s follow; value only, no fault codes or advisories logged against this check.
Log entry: 6h34m14s
